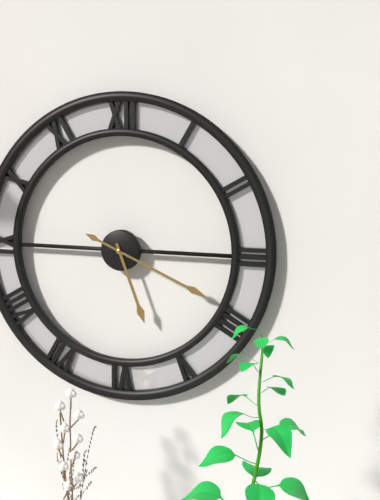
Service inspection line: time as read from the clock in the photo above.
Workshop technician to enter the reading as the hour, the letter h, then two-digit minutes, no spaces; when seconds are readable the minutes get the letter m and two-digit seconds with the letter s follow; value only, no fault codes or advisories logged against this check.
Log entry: 5h19
